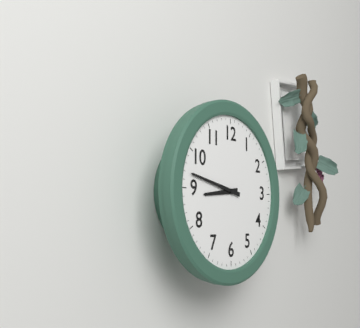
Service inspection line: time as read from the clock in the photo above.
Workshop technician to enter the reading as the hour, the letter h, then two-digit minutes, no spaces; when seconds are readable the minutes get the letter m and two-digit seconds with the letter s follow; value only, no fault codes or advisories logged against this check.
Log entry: 8h47
